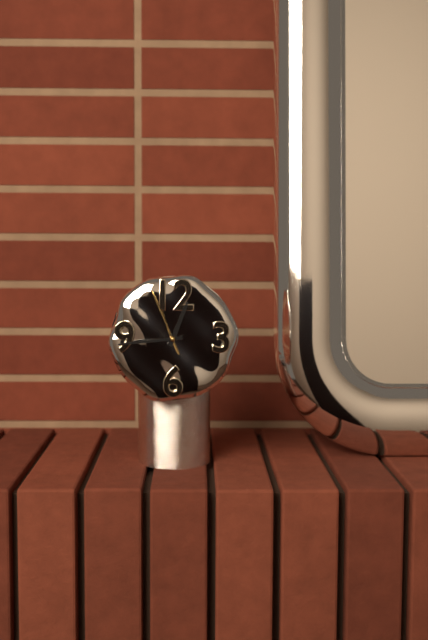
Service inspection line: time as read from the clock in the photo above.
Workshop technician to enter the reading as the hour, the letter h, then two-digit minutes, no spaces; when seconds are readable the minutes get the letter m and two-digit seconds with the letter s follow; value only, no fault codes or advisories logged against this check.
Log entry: 12h44m56s
